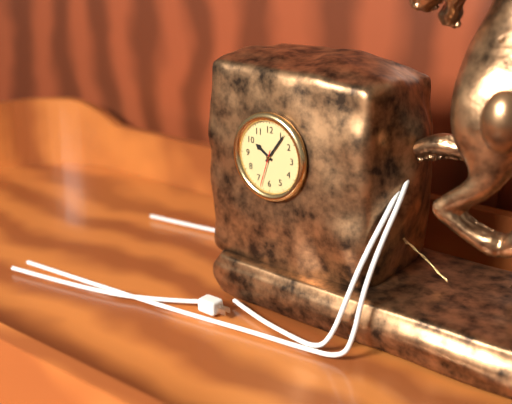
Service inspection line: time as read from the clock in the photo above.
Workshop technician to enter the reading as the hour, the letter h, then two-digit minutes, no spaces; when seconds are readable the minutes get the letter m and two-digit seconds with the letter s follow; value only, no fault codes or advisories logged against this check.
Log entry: 10h06
